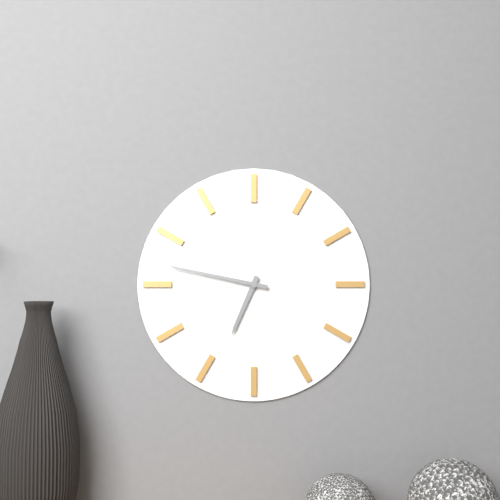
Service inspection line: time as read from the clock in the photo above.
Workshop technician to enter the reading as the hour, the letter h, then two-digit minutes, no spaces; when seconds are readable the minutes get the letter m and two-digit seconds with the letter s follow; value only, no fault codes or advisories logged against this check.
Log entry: 6h47
